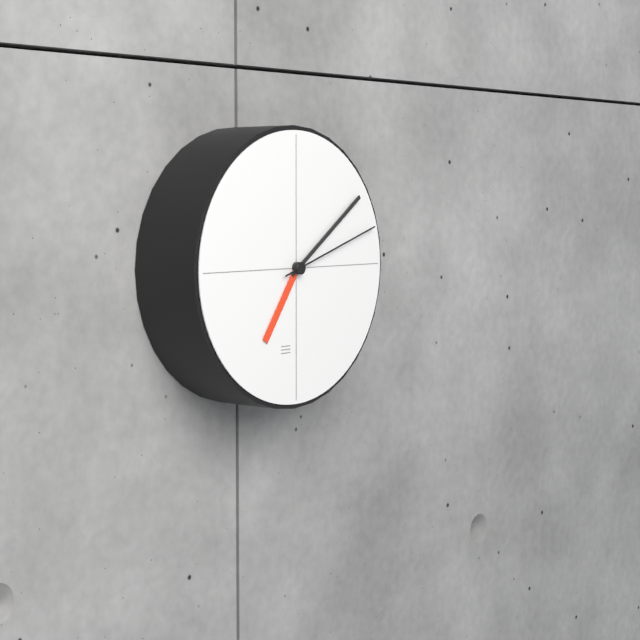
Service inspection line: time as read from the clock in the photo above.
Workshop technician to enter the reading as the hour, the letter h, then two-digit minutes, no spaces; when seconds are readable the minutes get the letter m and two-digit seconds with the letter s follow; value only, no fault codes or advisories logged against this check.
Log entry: 7h09m12s
